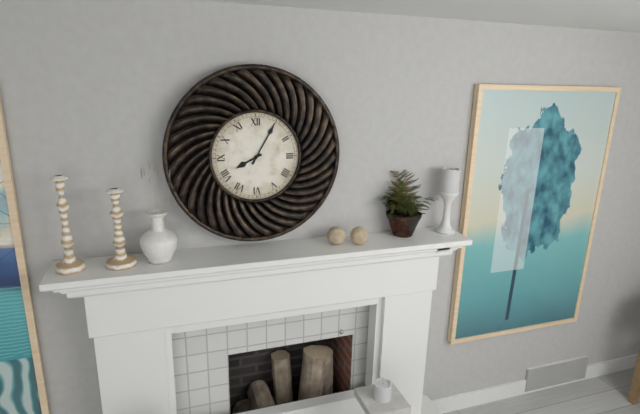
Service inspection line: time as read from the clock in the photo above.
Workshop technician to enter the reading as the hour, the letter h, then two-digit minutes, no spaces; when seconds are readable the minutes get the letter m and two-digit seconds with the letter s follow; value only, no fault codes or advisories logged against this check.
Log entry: 8h05
